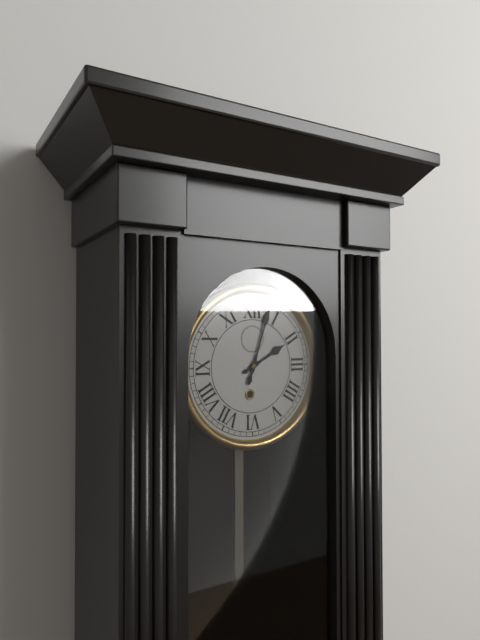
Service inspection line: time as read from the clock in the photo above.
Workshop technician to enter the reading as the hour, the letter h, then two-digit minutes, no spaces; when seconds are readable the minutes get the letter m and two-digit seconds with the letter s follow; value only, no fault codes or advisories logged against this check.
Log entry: 2h03
